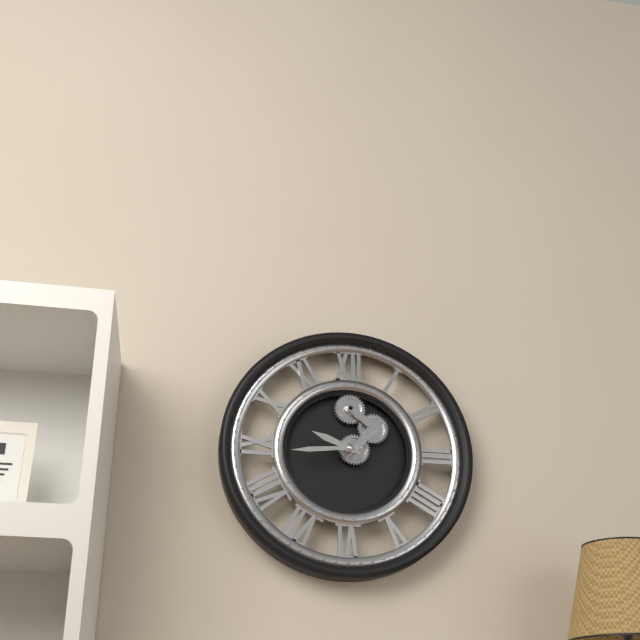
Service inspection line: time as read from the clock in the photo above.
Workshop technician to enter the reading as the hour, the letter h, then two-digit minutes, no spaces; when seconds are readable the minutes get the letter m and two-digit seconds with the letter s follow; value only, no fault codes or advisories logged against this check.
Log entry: 9h44
